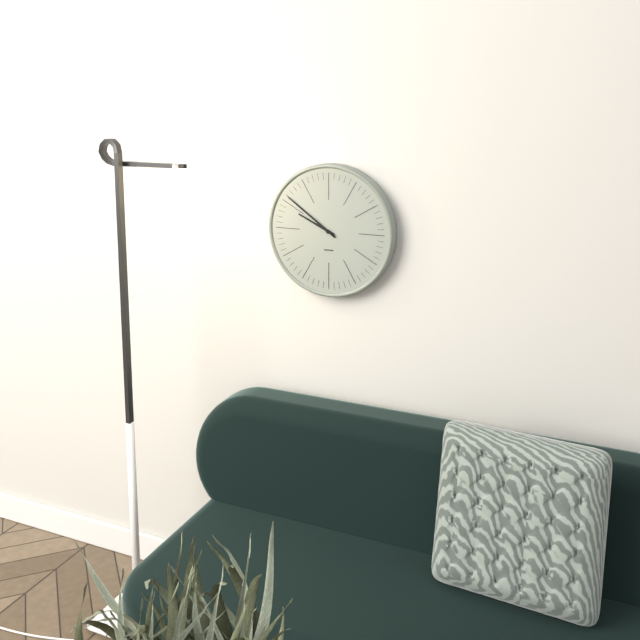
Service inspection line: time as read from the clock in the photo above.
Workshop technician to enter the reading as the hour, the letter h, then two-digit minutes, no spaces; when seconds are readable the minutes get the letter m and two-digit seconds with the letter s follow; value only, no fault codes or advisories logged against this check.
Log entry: 9h51
